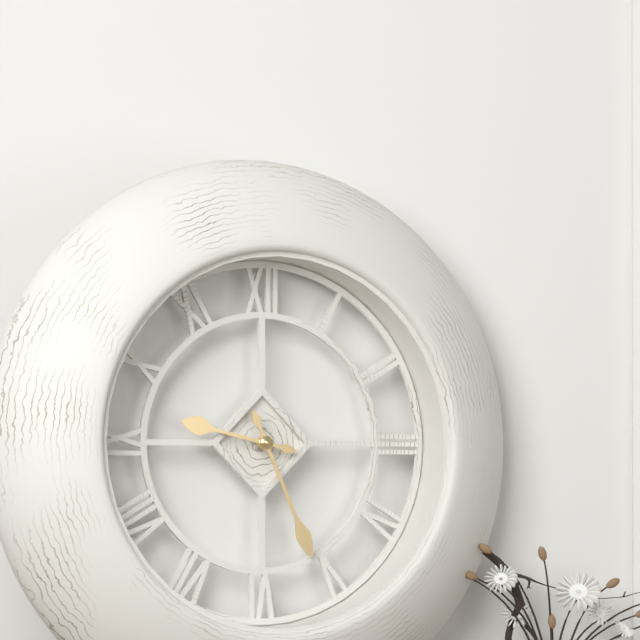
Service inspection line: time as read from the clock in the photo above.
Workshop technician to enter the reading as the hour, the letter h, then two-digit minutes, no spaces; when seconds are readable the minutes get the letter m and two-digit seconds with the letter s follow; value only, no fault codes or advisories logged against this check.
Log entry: 9h26
